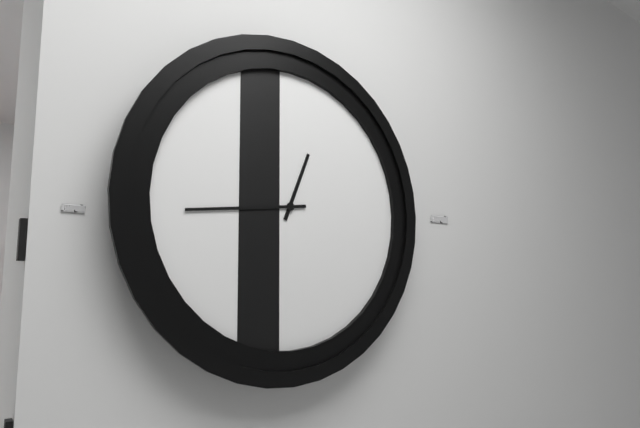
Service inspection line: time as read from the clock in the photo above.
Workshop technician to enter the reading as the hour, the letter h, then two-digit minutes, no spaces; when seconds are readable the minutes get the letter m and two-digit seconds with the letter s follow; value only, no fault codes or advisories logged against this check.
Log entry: 12h44
